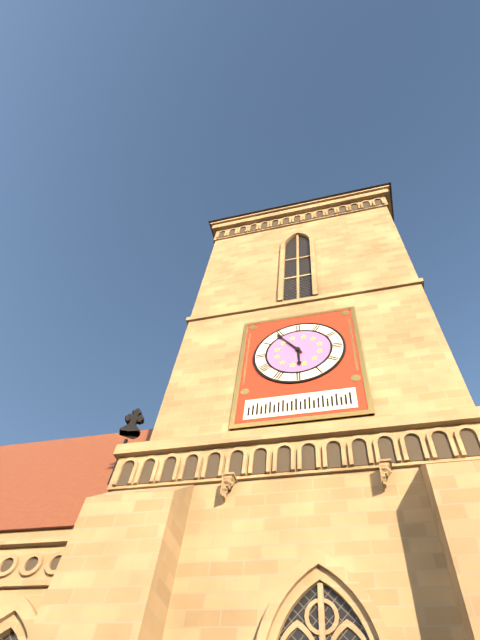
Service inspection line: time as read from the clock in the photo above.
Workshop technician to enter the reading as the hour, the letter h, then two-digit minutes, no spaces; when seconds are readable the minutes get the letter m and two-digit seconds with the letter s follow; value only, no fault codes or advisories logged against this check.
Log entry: 5h54
